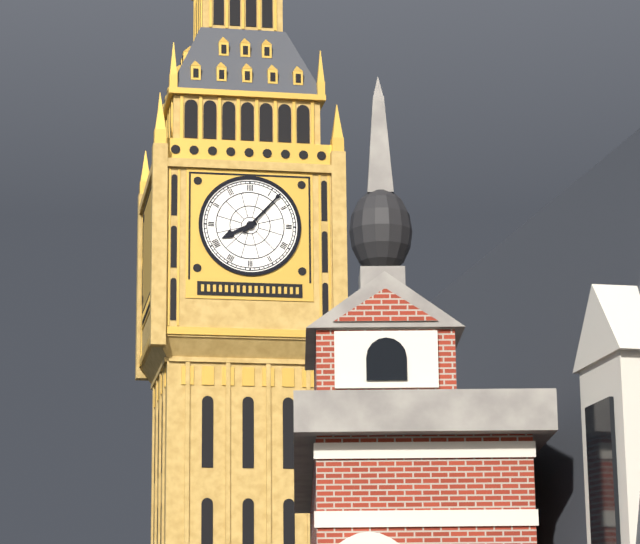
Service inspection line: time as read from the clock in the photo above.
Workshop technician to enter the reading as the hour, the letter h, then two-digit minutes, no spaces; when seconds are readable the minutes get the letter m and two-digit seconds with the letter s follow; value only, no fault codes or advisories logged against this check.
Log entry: 8h07
